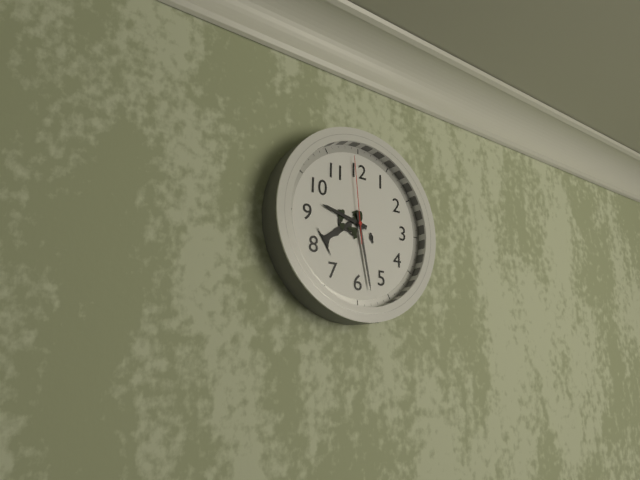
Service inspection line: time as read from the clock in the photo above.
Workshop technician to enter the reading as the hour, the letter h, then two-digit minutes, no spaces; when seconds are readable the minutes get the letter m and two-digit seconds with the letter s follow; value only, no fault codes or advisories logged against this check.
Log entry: 9h28m59s
